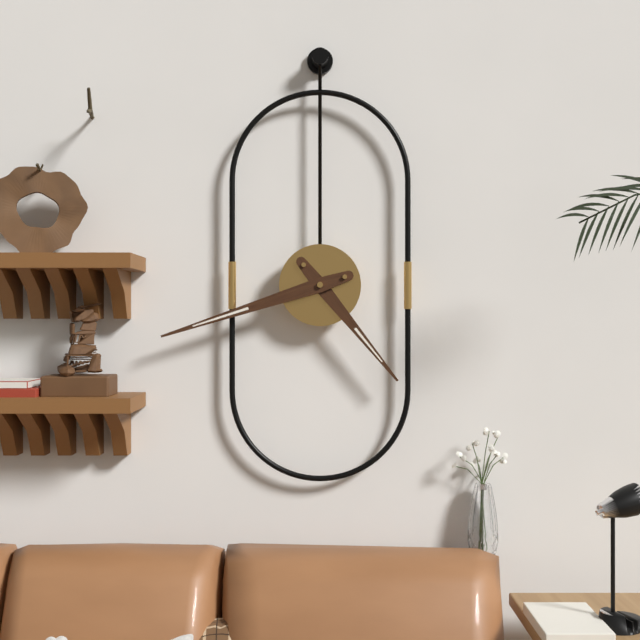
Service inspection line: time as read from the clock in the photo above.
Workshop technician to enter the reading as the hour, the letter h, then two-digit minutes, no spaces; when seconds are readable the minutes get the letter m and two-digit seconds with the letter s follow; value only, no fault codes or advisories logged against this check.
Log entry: 4h42
